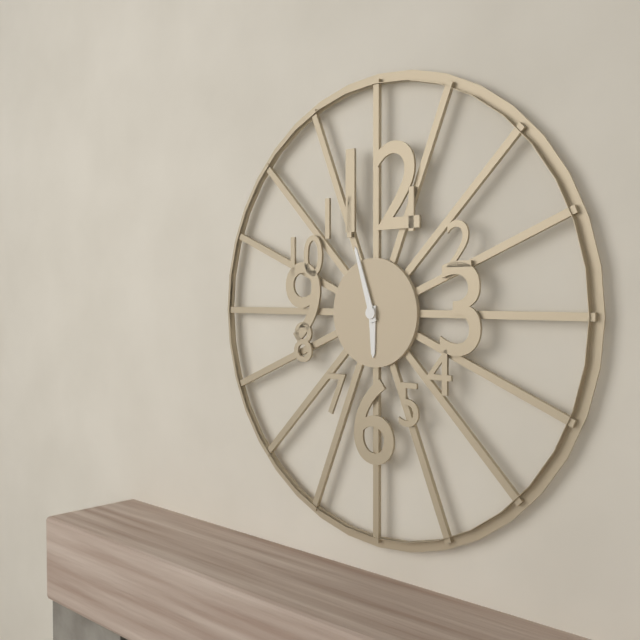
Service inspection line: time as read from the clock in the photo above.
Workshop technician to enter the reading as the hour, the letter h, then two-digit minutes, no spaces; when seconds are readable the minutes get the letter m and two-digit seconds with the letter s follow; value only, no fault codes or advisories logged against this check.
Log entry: 5h57
